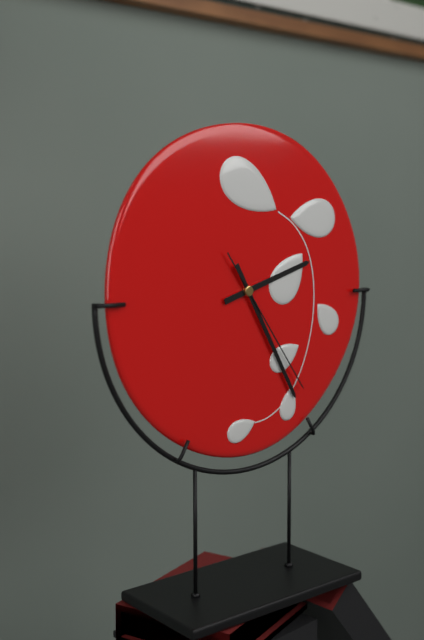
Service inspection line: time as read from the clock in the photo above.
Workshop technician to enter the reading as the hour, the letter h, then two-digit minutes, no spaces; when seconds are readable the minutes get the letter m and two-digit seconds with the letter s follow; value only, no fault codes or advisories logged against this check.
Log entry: 2h25m24s
